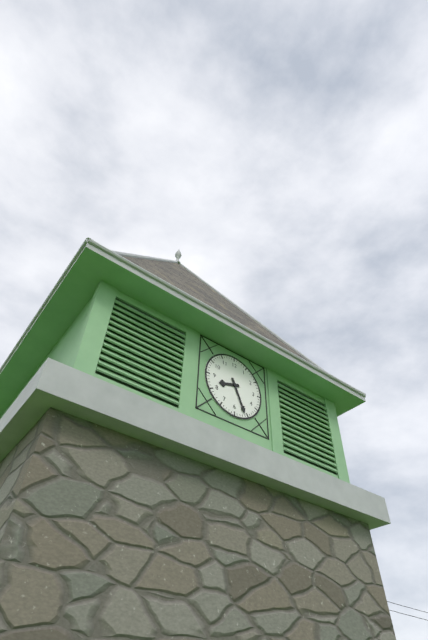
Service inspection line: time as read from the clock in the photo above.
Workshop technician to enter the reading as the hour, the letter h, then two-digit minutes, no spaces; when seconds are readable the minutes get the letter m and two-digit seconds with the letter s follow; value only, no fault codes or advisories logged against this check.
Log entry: 8h26
